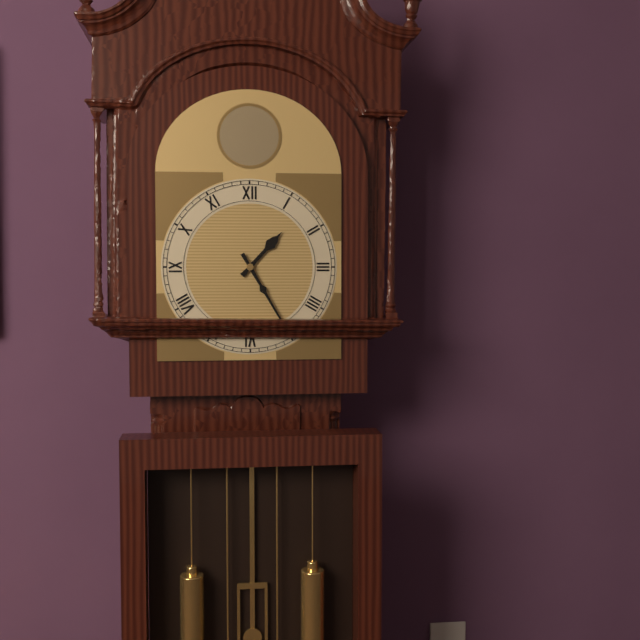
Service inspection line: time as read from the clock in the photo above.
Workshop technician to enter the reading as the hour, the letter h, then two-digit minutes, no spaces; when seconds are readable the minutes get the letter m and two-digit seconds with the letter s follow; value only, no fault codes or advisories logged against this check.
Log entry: 1h25
